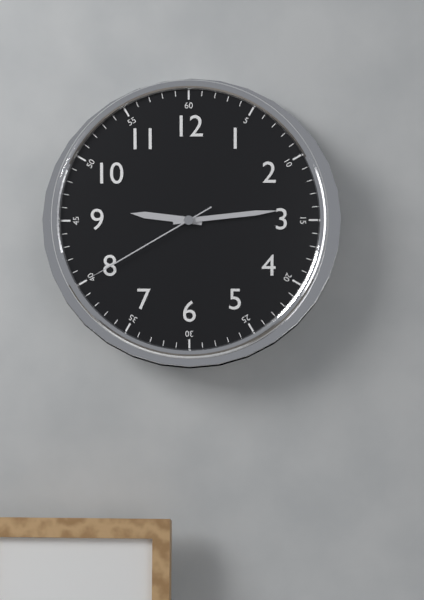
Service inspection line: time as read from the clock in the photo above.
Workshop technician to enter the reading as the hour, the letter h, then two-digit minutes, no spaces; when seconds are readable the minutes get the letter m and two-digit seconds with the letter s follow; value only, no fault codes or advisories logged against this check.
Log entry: 9h14m40s
